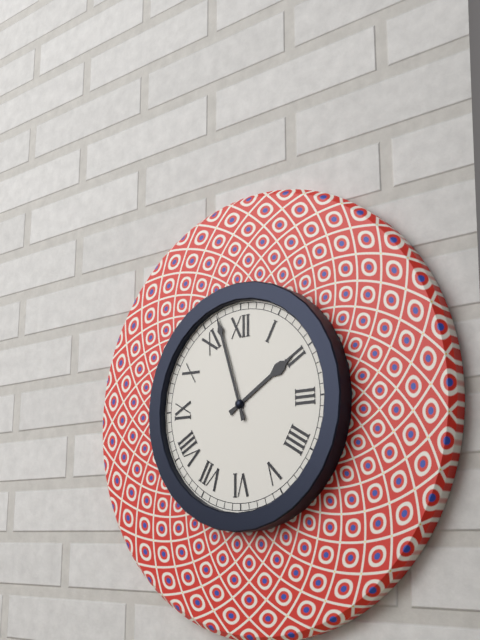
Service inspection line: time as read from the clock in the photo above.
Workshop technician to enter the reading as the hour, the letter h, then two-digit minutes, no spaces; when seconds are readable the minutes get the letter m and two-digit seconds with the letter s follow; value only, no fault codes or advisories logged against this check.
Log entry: 1h57
